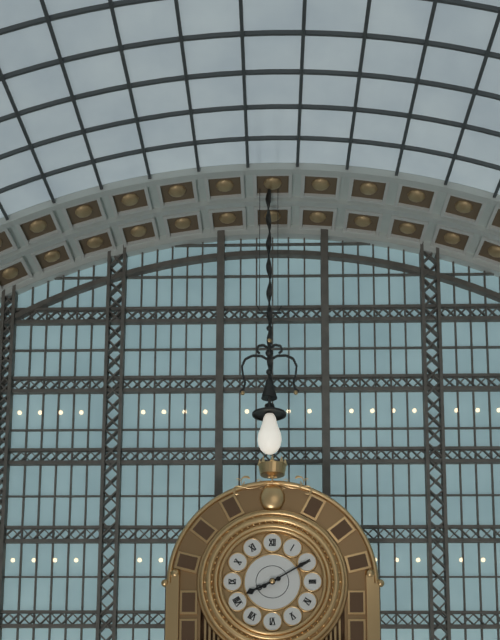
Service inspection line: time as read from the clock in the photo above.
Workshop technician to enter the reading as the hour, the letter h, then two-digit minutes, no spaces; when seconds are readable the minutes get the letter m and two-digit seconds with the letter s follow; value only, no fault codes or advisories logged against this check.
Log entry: 8h10
